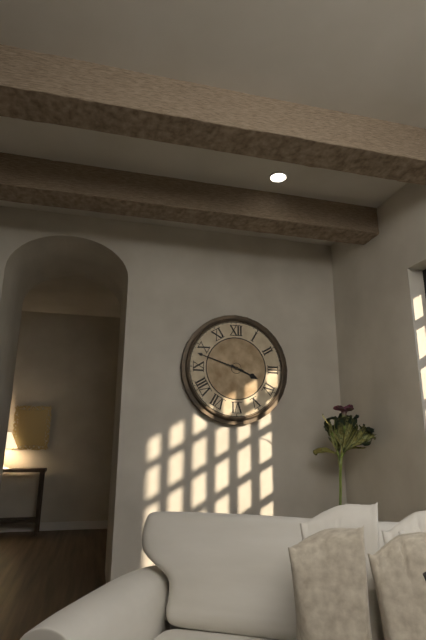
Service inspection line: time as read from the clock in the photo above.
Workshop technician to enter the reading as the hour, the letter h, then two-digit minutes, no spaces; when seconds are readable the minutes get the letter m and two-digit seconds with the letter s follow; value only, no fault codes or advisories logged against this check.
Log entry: 3h48
